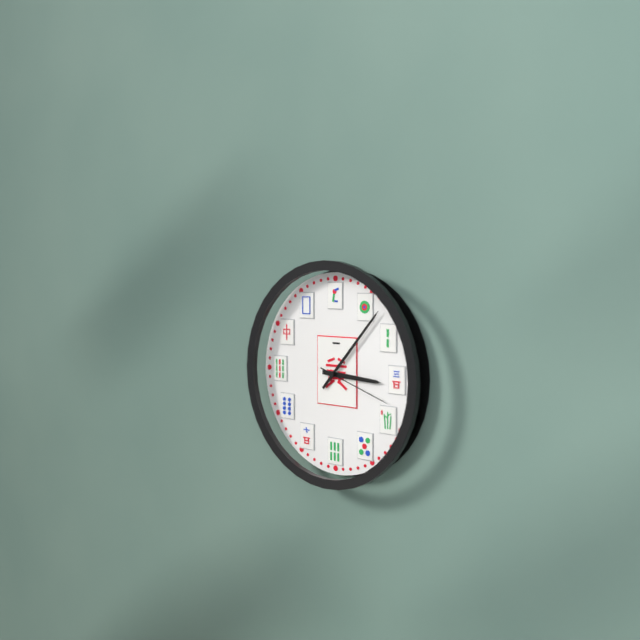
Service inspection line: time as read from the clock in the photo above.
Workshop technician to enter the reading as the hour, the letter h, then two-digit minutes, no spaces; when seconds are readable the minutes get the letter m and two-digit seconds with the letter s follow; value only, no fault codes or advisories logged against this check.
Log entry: 3h07m18s
